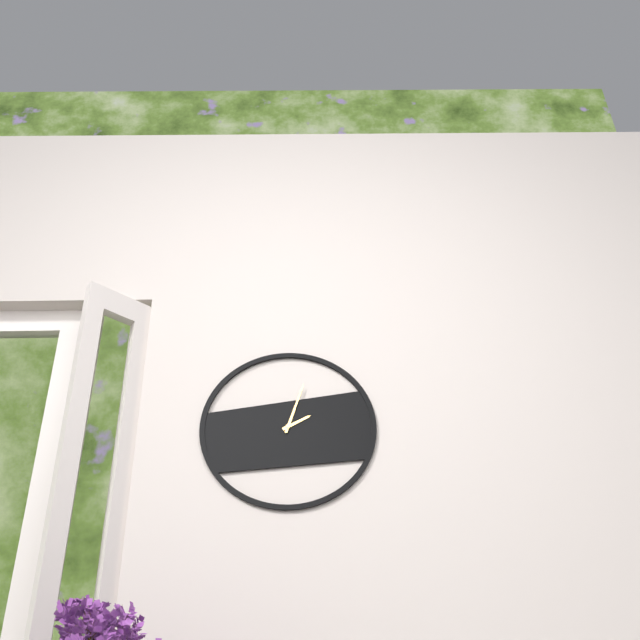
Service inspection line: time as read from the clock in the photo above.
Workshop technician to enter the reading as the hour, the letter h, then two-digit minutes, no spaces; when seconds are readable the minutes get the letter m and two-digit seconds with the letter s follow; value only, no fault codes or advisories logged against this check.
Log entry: 2h03
